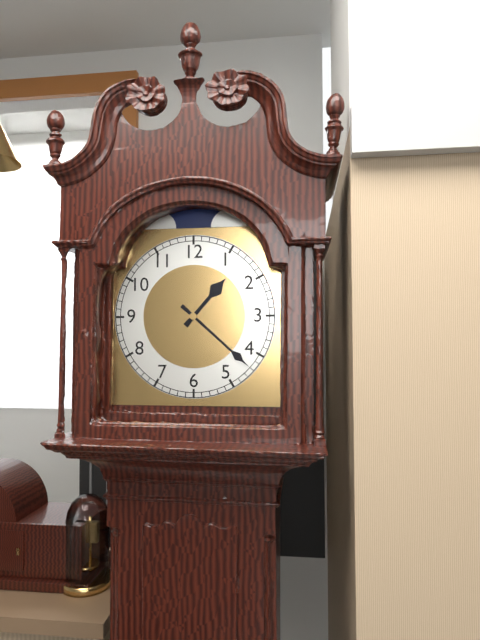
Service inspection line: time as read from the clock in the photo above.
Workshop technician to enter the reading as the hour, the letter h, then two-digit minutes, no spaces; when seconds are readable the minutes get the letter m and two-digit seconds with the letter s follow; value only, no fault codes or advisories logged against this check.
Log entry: 1h22
